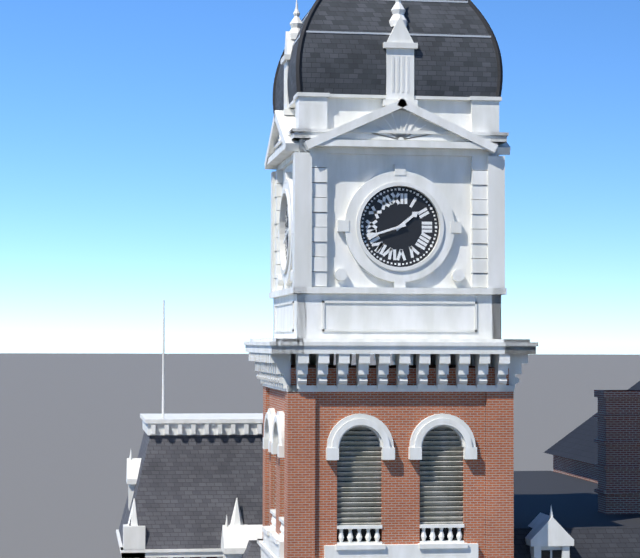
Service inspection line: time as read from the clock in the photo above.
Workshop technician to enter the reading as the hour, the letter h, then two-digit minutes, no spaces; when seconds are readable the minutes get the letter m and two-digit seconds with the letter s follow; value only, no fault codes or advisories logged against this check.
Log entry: 1h42
